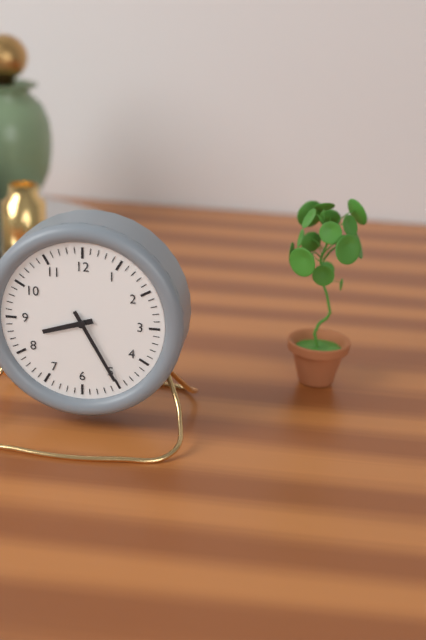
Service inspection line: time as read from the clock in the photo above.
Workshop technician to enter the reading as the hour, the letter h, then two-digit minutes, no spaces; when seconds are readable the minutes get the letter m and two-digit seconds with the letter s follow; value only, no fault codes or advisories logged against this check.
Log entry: 8h25
